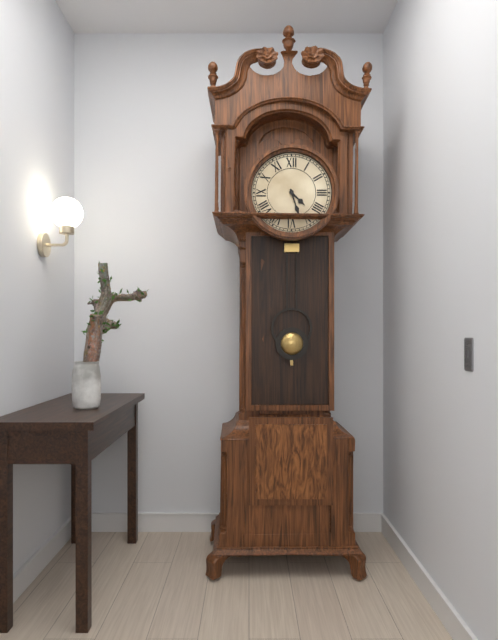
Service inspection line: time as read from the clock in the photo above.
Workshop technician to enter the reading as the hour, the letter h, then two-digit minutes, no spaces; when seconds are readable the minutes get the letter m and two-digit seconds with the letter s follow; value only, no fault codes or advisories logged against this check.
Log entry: 4h27
